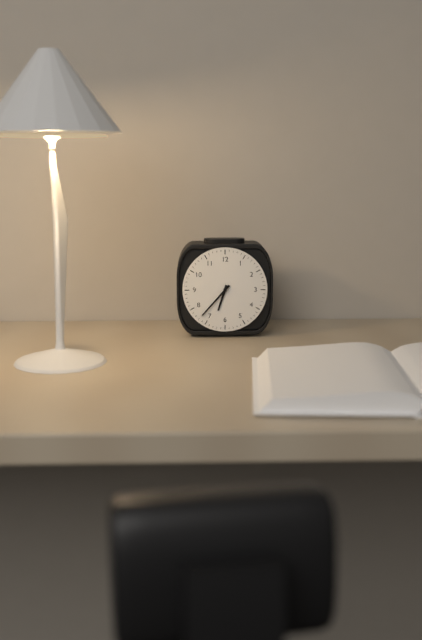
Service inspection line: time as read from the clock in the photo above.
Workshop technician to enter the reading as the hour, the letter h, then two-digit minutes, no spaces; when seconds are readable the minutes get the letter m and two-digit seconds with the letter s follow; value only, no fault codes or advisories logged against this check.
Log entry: 6h37
